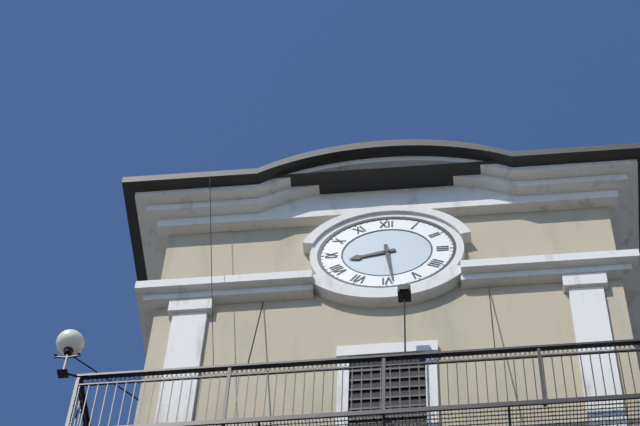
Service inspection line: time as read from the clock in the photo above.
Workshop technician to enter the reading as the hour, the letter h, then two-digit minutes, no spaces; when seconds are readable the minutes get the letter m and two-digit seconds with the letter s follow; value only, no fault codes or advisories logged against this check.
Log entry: 8h29
